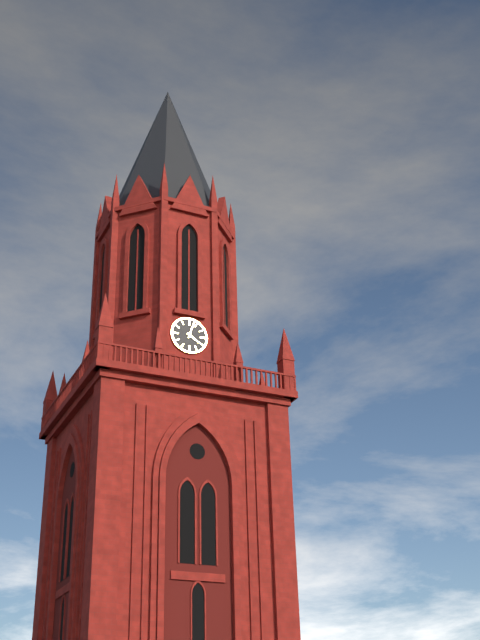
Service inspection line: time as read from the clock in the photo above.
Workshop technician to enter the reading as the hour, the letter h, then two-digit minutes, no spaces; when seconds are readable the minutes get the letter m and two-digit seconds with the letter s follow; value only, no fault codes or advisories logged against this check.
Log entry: 4h03
